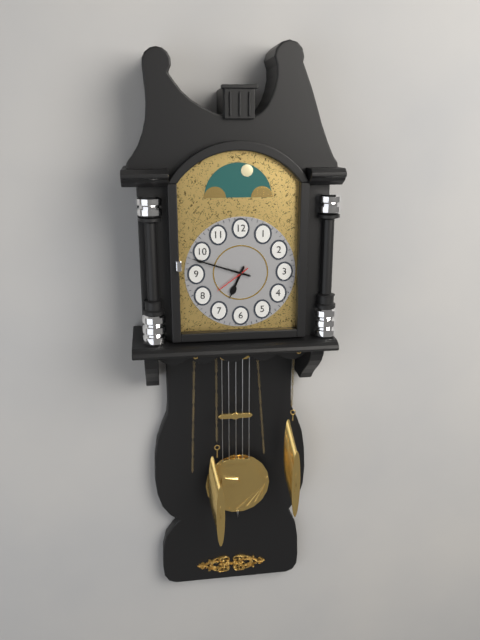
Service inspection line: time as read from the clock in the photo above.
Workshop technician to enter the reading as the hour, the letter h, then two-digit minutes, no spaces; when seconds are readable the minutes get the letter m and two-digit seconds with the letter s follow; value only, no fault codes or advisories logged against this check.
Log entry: 6h48
